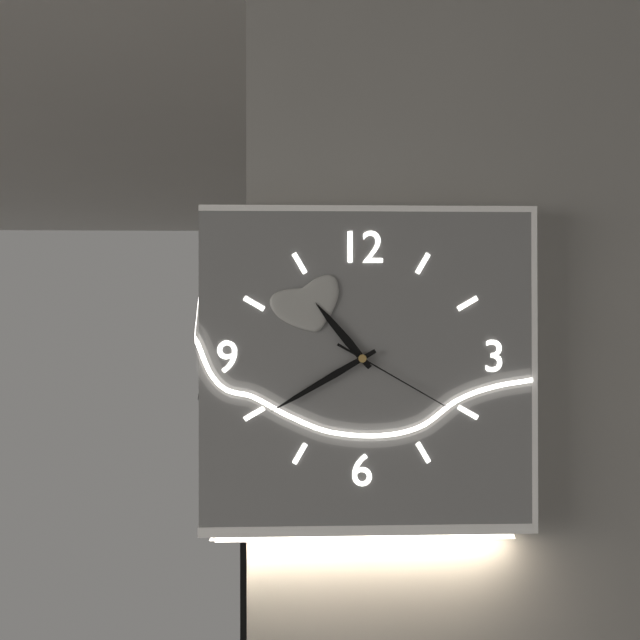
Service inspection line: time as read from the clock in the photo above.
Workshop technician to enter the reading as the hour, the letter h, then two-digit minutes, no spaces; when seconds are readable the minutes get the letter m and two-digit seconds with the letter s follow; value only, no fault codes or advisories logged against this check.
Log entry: 10h40m20s
